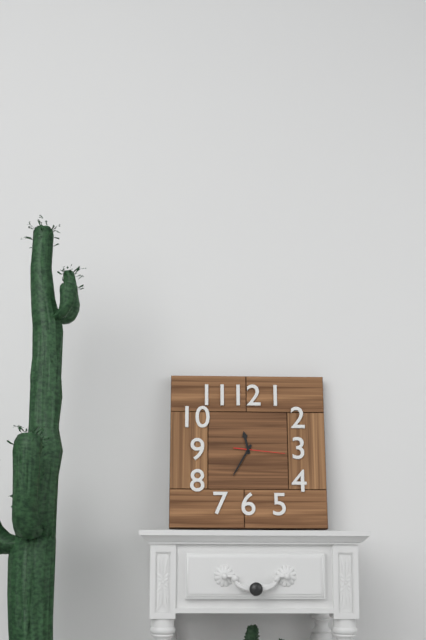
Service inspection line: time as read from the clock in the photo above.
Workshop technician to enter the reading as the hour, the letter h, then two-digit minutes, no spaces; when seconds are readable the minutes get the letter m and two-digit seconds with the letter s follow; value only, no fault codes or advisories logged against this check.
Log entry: 11h35
